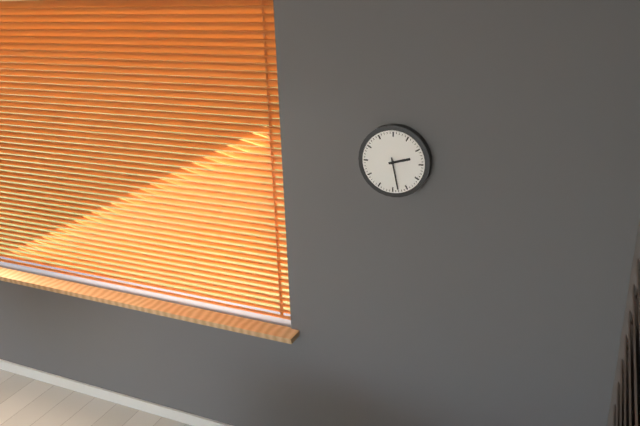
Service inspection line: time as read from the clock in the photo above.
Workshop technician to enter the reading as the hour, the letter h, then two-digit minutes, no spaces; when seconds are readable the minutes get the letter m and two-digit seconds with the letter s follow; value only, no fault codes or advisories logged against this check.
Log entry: 2h28
